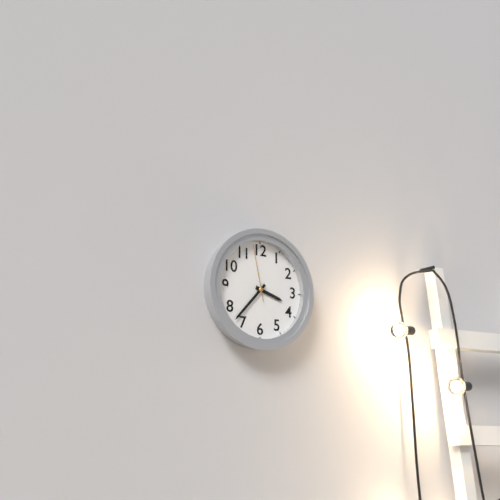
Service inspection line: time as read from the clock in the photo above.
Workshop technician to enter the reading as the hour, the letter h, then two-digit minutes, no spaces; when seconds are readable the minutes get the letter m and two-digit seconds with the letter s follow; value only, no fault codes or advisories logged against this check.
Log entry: 3h37m58s
